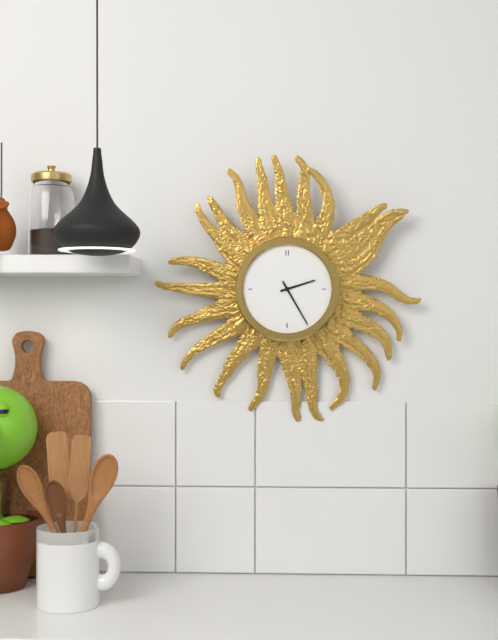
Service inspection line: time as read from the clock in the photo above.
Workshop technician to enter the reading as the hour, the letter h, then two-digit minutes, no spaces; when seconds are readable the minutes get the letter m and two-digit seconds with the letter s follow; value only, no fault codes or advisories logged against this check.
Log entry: 2h25
